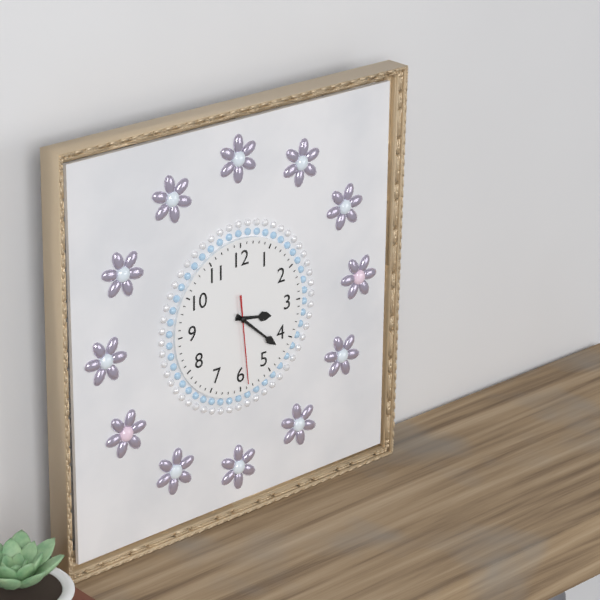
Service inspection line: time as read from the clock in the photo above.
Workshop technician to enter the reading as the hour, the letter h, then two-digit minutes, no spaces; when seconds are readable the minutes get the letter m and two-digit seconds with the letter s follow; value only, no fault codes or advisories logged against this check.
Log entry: 3h22m29s
